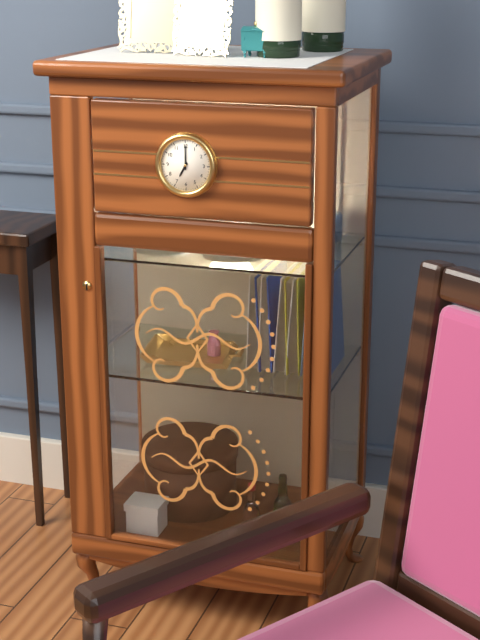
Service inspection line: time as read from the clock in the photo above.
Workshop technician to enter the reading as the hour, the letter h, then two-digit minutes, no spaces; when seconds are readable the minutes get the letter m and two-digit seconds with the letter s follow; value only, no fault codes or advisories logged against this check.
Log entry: 7h00
